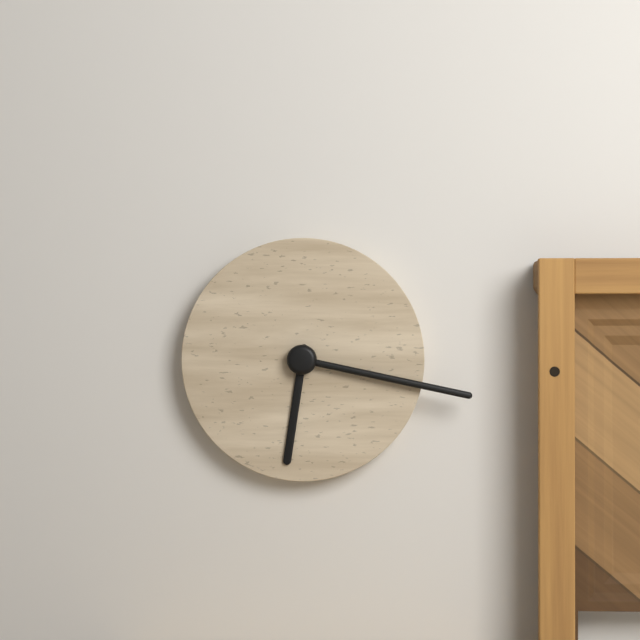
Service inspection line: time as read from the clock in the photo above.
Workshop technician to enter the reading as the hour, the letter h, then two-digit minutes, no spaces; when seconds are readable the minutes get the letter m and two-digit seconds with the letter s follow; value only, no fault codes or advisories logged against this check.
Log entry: 6h17
